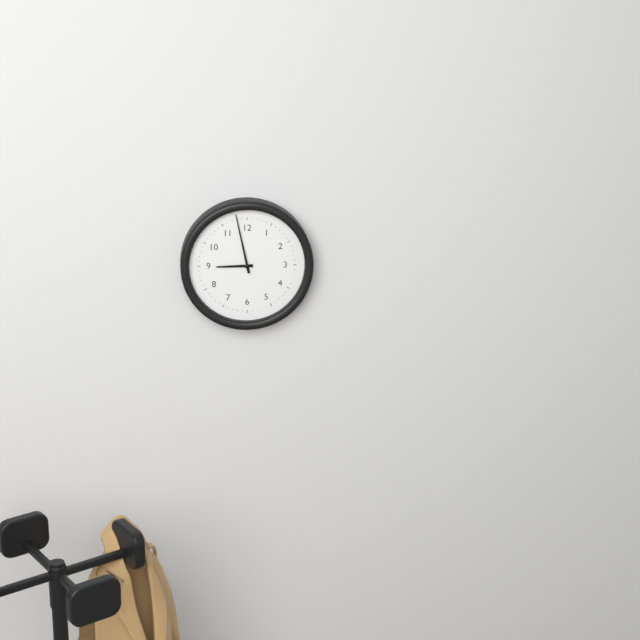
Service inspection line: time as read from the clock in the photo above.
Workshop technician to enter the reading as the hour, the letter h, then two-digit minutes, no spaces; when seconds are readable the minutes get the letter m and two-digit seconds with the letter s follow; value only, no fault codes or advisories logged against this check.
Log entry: 8h58
